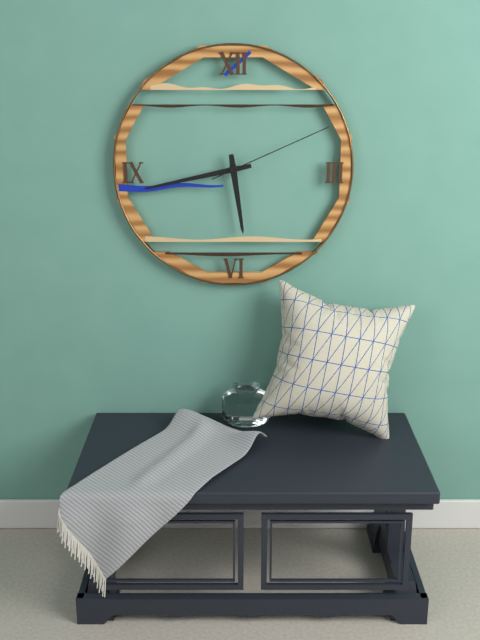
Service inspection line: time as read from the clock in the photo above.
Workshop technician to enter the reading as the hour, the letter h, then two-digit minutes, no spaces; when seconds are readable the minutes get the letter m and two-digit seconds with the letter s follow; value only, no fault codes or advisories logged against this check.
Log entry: 5h43m11s
